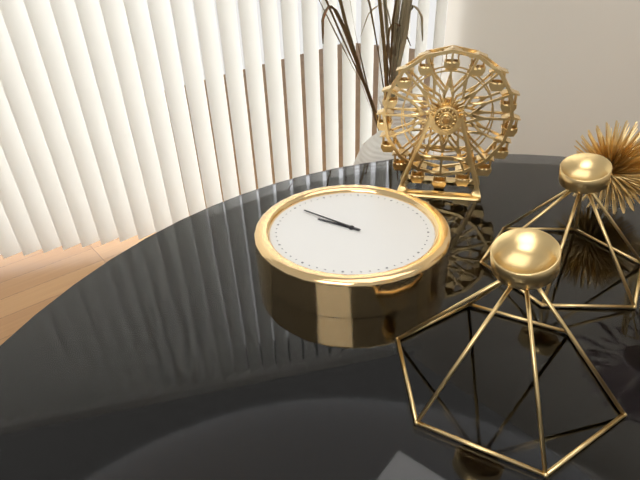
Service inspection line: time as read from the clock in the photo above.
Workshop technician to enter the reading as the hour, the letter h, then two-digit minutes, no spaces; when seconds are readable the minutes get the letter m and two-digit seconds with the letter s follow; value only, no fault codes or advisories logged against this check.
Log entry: 8h45
